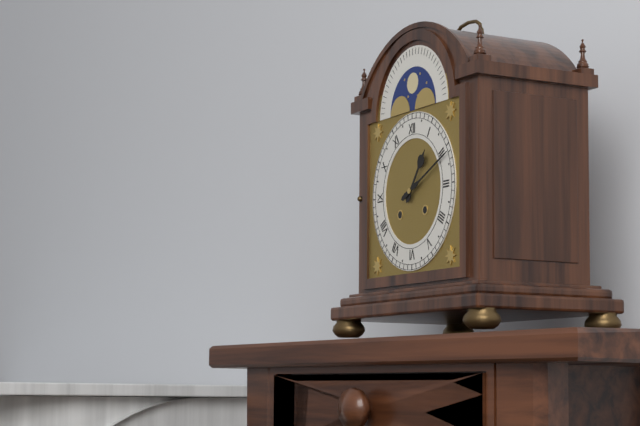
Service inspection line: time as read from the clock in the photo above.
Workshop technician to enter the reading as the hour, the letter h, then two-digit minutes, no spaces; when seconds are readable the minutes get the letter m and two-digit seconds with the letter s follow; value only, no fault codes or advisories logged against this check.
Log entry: 1h11
